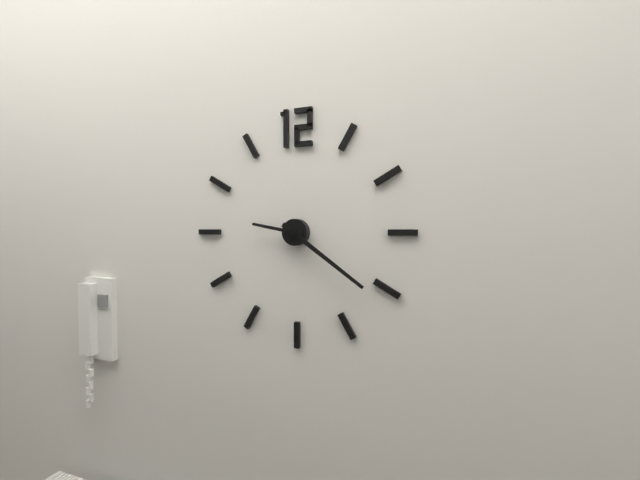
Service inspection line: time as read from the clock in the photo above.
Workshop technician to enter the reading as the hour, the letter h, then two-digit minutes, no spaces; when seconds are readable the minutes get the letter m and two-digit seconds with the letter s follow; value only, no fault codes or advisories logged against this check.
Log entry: 9h21
